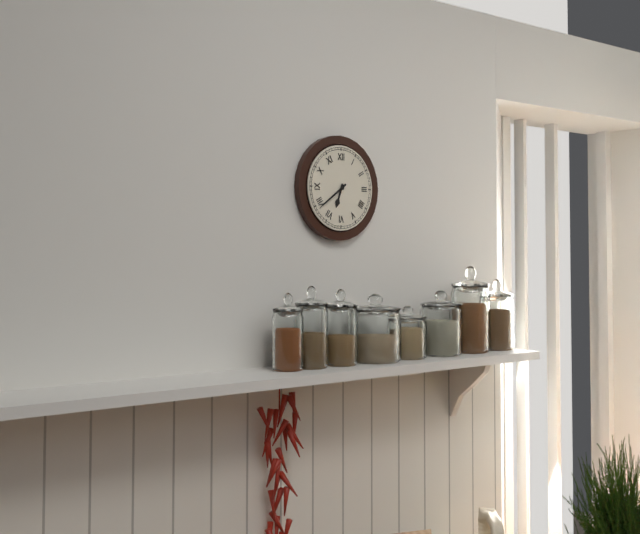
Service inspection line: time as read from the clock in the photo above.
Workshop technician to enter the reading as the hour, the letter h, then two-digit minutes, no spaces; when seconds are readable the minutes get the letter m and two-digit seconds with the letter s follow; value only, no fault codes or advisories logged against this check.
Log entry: 6h39
